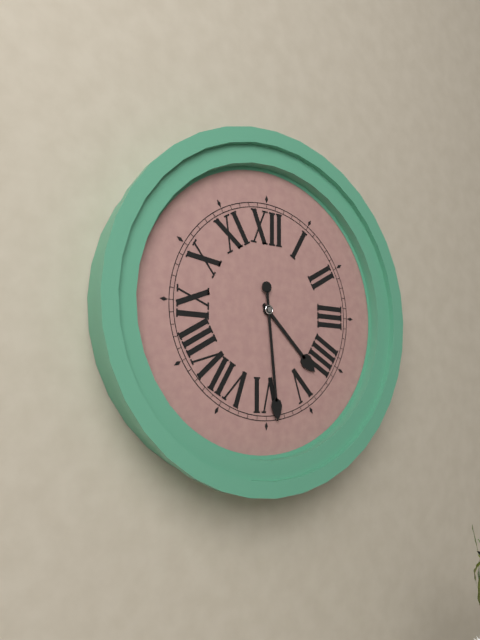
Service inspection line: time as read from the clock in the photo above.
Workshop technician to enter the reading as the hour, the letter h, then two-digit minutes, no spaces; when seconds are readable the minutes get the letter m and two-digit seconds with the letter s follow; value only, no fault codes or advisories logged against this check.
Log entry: 4h29
